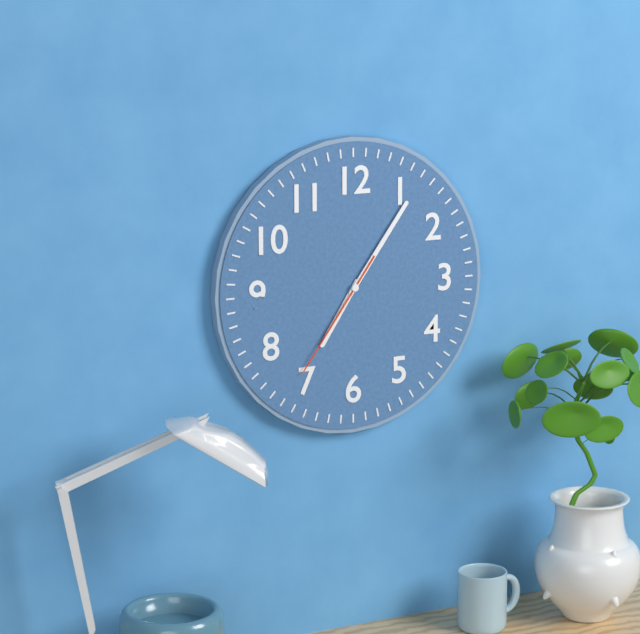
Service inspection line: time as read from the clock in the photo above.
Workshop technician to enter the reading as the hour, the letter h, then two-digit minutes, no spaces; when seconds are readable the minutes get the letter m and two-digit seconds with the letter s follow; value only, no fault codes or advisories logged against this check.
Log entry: 7h06m36s
